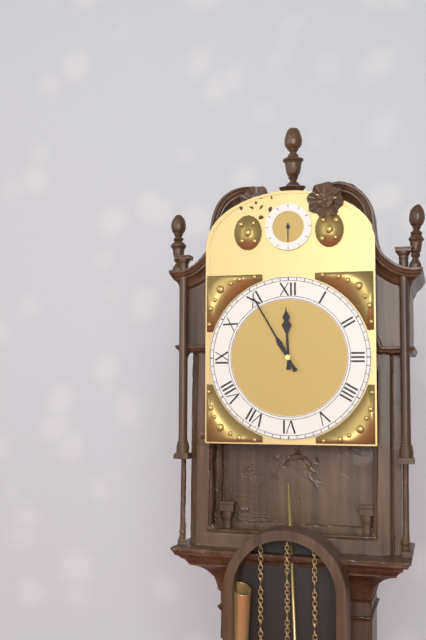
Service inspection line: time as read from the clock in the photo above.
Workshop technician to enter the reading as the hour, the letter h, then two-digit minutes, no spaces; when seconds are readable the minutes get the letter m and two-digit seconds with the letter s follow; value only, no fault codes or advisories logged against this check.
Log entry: 11h55
